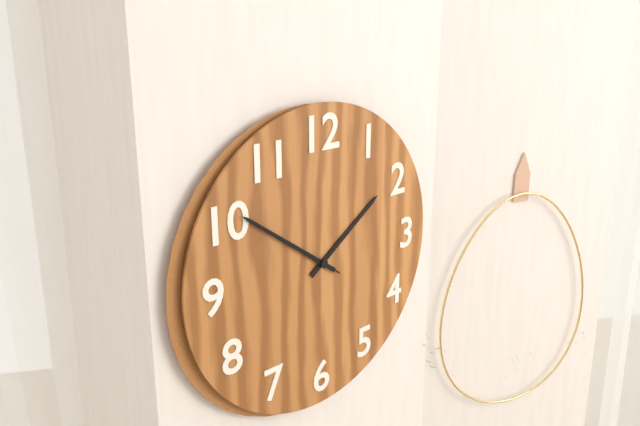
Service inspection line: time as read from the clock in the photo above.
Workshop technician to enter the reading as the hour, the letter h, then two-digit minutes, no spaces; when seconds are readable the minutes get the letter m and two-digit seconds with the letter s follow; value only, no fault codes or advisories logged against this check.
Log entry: 1h51m51s
